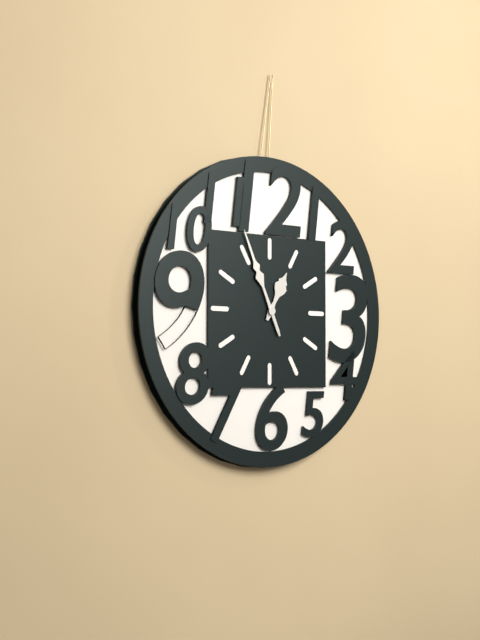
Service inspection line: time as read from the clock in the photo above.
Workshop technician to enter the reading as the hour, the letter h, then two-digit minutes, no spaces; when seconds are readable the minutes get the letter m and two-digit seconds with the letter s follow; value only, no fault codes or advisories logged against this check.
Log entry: 12h56
